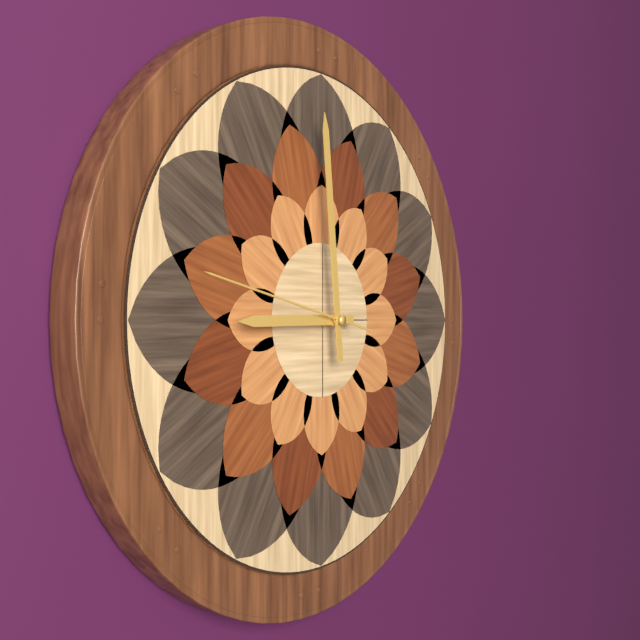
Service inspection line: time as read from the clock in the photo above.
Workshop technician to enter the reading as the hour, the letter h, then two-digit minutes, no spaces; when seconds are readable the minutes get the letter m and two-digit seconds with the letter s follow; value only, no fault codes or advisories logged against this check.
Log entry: 8h59m47s
